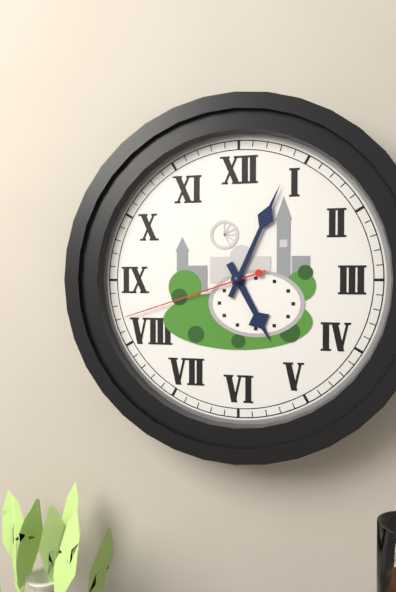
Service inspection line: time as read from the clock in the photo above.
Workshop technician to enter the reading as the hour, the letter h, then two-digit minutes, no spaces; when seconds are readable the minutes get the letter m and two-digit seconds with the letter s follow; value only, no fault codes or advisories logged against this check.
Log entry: 5h04m42s
